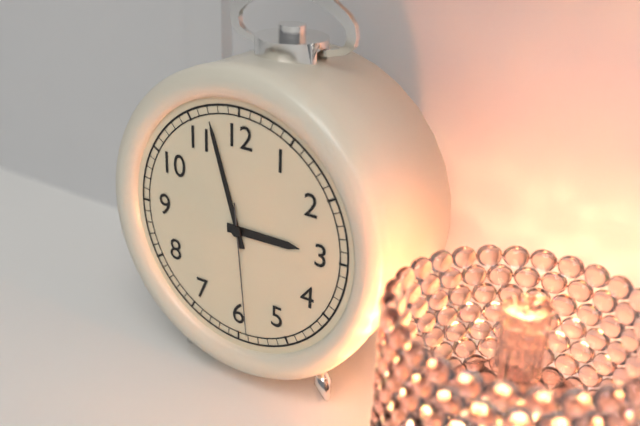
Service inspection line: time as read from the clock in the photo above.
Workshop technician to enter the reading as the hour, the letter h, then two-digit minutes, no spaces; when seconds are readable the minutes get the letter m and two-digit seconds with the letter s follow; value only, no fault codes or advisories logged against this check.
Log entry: 2h57m29s
